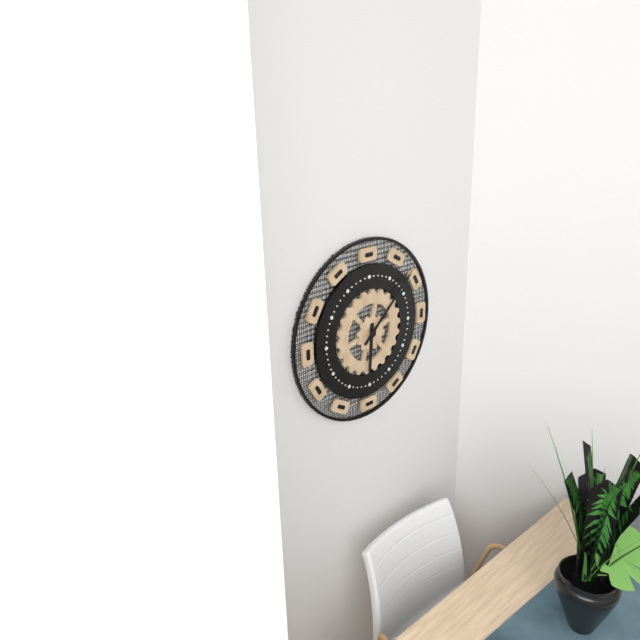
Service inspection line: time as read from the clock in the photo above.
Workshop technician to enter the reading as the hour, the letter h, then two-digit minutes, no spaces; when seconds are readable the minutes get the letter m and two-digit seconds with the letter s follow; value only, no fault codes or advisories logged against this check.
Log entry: 6h08
